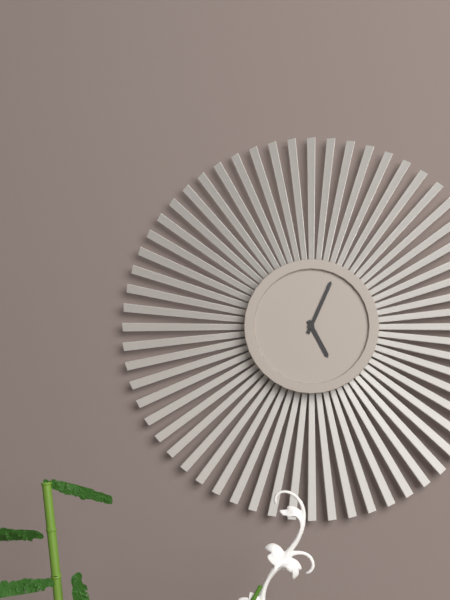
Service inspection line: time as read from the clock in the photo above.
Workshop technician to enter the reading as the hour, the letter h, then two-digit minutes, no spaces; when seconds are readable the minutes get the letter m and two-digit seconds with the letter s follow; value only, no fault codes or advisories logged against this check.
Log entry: 5h04
